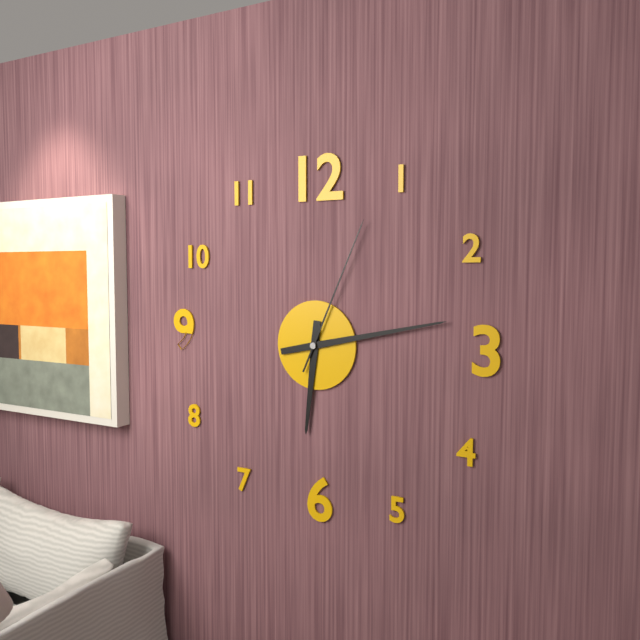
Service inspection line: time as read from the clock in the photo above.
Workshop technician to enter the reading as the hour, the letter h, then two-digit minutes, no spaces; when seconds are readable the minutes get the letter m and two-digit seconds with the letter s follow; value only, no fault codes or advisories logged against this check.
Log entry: 6h13m04s
